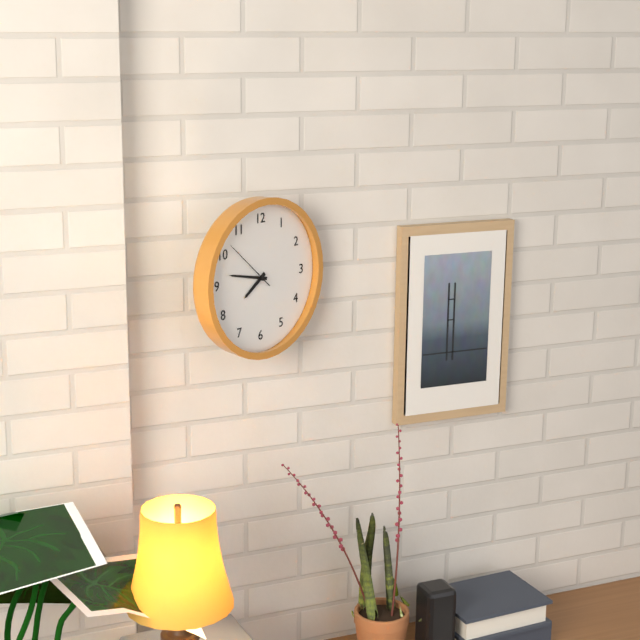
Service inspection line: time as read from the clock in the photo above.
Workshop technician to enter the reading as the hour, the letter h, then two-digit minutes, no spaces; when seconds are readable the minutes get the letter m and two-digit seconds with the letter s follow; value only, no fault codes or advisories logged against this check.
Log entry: 7h47m52s
